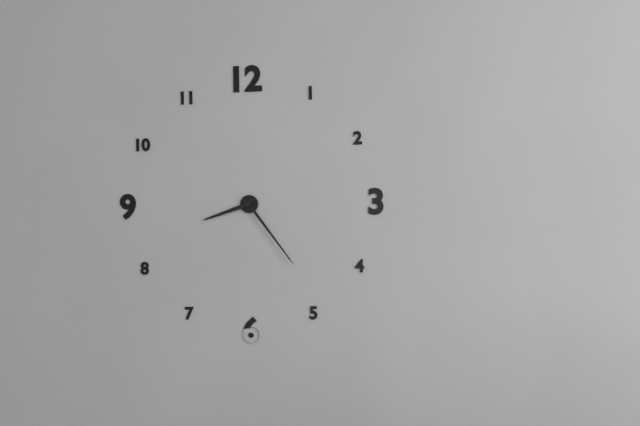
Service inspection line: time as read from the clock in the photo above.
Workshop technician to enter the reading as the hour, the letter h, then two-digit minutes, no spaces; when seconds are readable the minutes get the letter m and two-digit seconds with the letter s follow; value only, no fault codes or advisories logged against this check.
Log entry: 8h24
